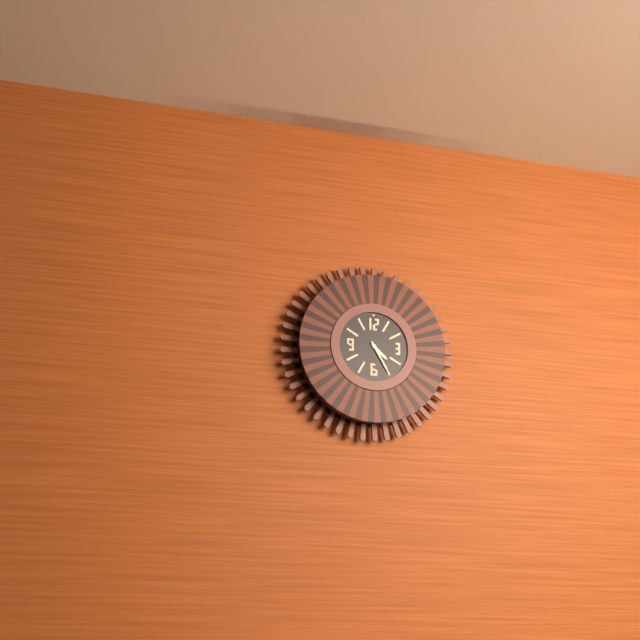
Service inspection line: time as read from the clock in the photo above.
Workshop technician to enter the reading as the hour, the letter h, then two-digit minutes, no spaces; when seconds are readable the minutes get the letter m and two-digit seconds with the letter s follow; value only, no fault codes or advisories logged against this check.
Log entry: 4h25
